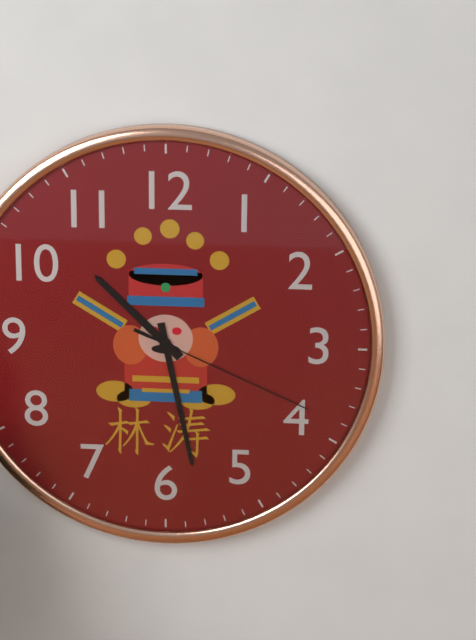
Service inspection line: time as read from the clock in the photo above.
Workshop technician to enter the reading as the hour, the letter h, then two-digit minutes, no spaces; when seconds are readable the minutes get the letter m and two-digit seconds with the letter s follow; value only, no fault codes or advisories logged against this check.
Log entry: 10h28m19s
